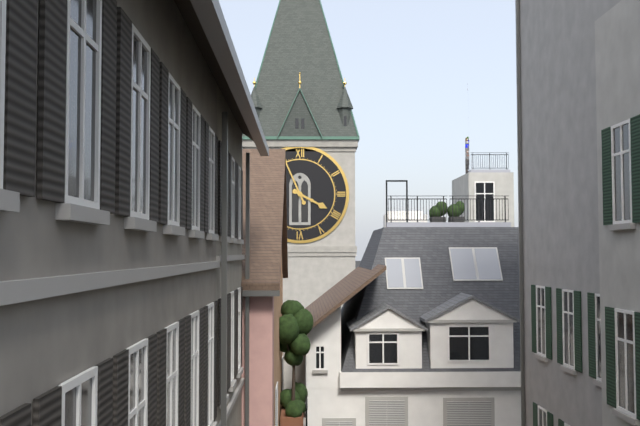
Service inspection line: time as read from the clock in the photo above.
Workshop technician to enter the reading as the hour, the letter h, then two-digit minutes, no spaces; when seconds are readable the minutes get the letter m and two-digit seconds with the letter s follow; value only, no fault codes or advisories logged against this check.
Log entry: 3h56
